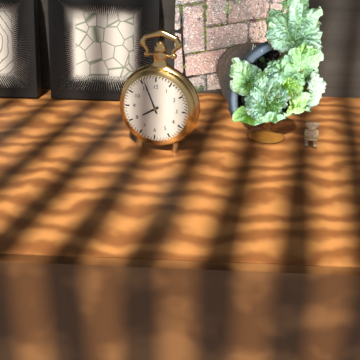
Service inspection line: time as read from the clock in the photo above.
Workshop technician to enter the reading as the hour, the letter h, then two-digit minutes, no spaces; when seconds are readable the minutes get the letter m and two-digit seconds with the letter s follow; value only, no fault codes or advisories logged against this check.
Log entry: 7h56
